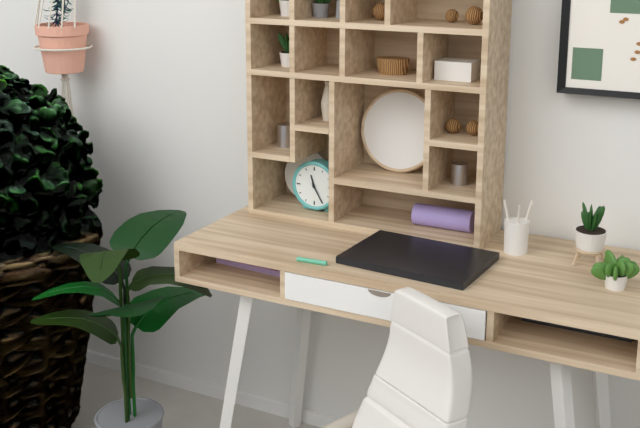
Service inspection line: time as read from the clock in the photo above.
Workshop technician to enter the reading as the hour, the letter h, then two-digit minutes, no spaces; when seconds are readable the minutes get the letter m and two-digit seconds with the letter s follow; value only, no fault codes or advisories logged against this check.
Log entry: 11h25
